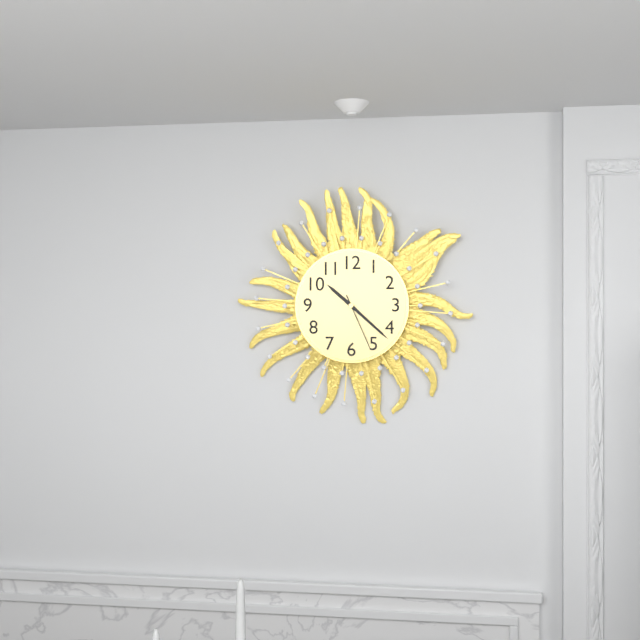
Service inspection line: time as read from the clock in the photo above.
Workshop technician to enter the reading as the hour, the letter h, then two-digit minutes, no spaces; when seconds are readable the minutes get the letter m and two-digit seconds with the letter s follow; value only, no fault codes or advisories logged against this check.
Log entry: 10h22m26s
